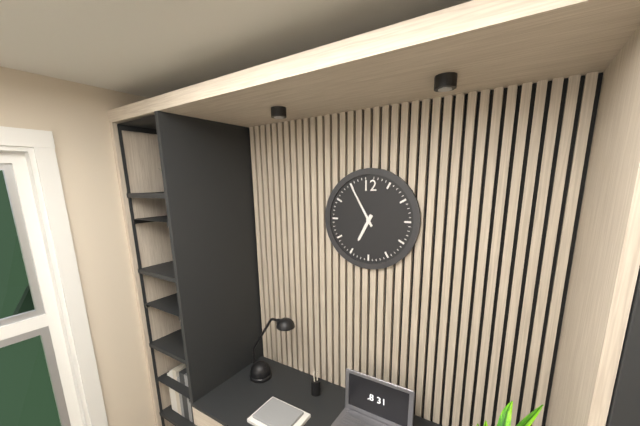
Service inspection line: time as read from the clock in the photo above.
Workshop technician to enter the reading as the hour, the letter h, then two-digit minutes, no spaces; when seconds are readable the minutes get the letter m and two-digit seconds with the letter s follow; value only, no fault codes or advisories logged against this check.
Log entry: 6h55
